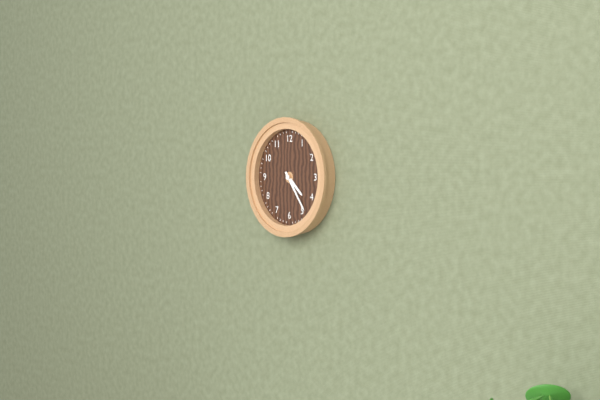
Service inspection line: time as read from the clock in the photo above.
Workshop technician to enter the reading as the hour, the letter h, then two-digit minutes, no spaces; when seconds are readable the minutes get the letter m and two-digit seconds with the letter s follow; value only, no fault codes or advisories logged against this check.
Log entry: 4h24
